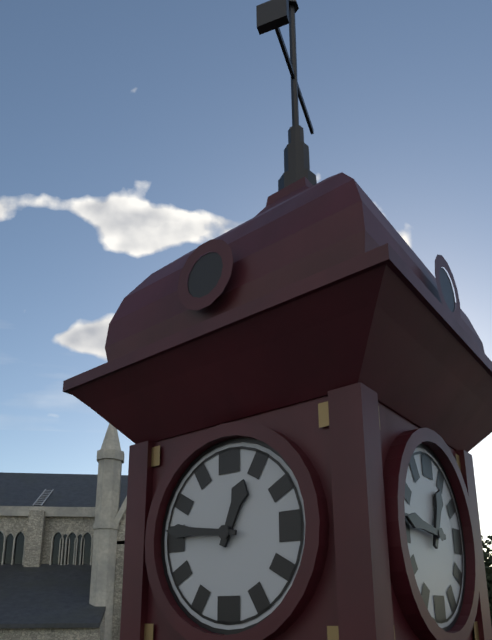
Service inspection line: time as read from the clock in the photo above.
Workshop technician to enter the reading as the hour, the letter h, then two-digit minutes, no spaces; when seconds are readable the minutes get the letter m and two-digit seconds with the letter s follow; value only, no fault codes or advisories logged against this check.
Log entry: 12h46
